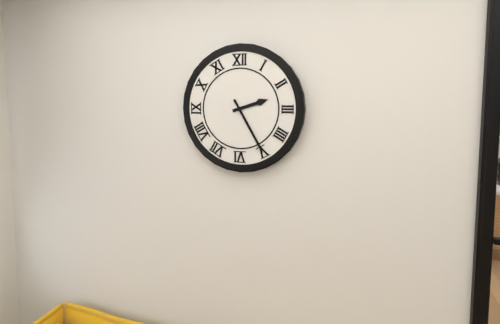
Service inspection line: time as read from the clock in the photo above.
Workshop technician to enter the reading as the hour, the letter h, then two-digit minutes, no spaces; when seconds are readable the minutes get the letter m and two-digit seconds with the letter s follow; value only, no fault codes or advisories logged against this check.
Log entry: 2h25
